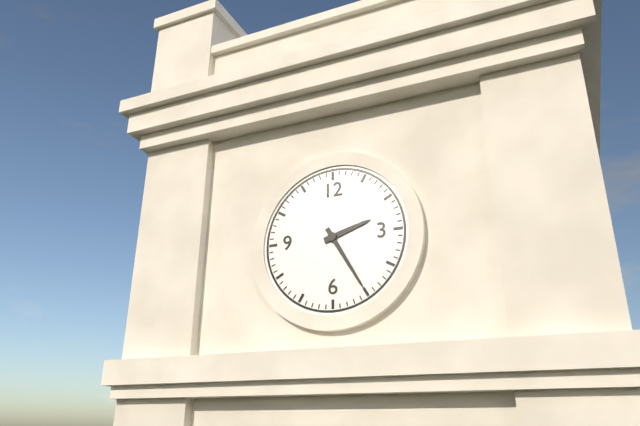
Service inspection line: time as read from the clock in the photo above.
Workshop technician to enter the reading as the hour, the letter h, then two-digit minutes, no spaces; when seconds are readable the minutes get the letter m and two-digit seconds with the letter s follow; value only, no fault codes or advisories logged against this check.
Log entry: 2h25
